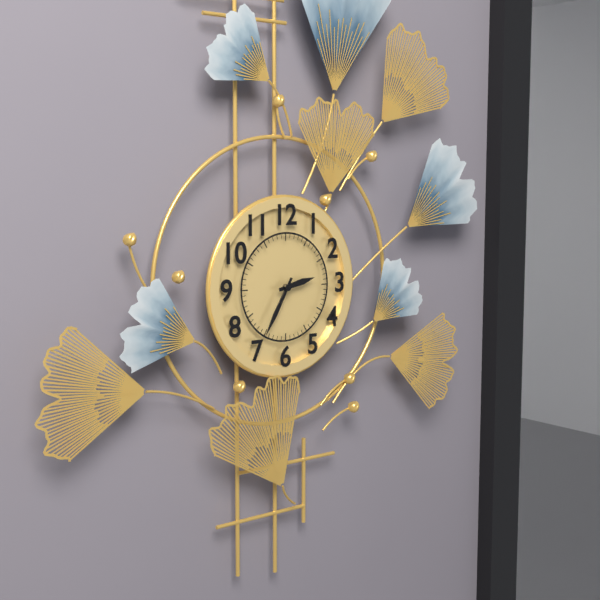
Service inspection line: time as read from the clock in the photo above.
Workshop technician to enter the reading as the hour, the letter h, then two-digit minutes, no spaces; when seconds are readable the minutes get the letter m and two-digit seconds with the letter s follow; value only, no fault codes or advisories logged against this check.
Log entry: 2h35
